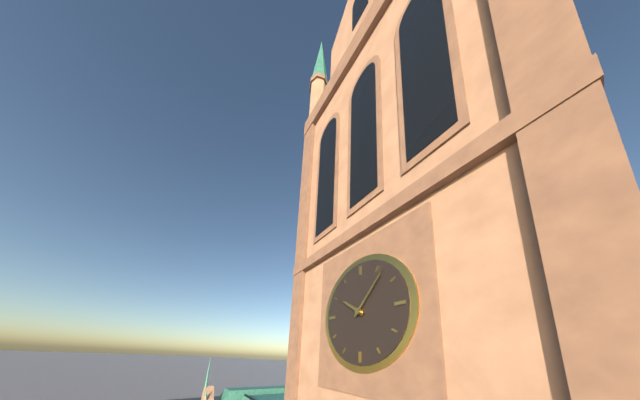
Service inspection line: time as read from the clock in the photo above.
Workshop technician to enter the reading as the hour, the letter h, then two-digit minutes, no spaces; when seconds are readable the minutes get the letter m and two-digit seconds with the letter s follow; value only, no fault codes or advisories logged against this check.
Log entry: 10h07
